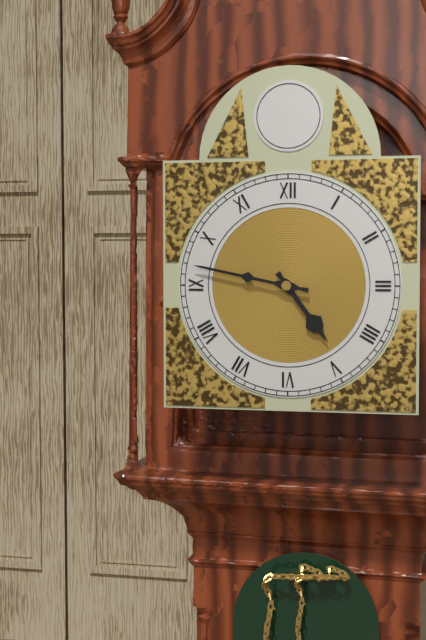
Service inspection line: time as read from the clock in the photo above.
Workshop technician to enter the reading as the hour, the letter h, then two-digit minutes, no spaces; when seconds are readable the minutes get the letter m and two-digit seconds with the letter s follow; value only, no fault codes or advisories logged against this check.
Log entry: 4h47
